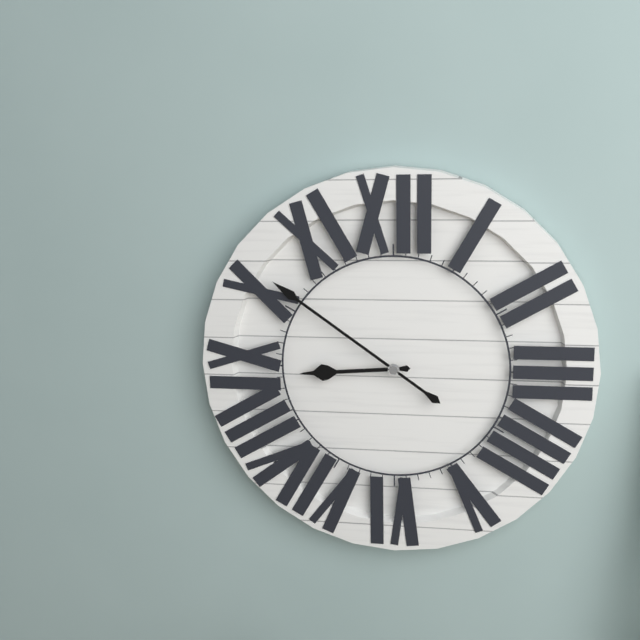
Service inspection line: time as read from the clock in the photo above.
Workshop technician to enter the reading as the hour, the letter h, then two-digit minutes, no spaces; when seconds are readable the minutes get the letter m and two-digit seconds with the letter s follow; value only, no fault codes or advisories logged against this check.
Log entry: 8h51
